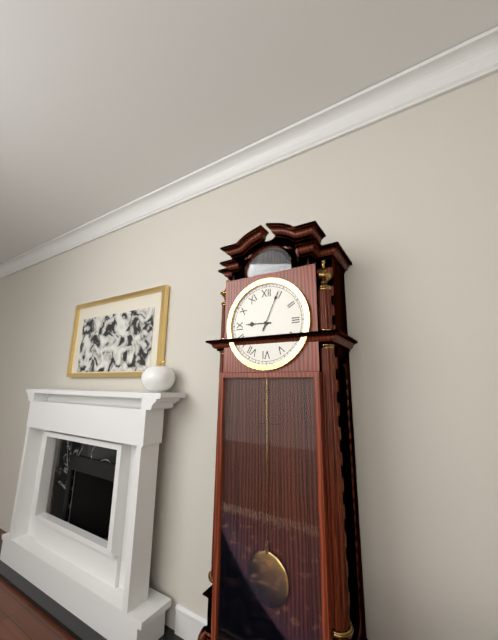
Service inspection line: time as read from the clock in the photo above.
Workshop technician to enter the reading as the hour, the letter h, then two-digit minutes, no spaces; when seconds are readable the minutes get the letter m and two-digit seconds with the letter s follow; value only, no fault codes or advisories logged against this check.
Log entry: 9h04
